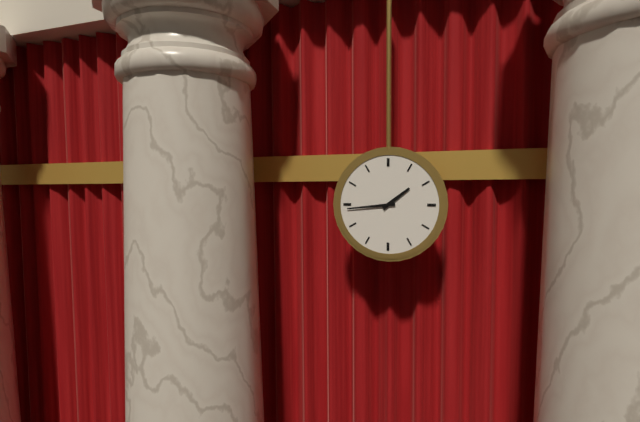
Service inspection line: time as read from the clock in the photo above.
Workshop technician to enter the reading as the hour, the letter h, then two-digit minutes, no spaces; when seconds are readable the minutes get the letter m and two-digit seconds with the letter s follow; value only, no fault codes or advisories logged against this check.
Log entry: 1h44
